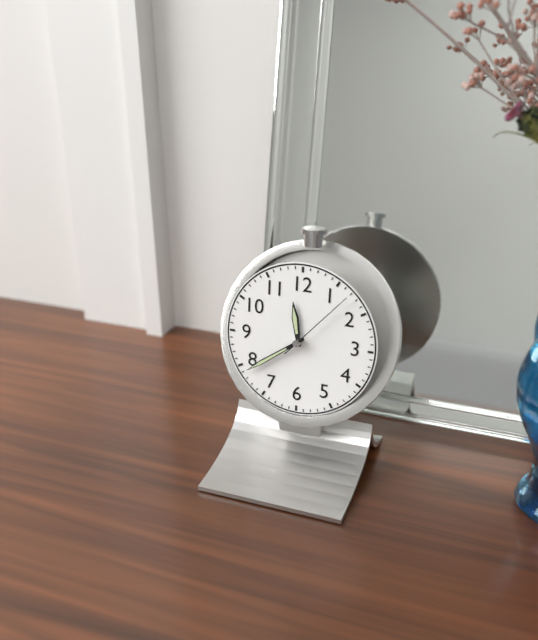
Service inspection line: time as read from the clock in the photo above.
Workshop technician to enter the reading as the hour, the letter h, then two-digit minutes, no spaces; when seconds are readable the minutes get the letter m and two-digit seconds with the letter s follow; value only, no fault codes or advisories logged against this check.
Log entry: 11h39m07s
